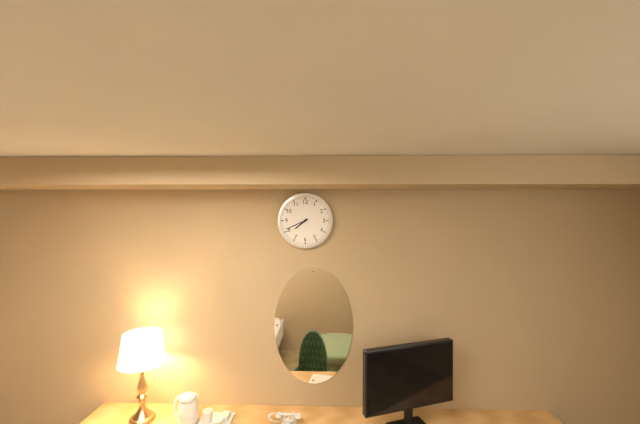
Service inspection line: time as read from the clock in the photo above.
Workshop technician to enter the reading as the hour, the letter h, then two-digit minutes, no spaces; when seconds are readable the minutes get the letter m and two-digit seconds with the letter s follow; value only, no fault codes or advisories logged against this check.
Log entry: 7h41
